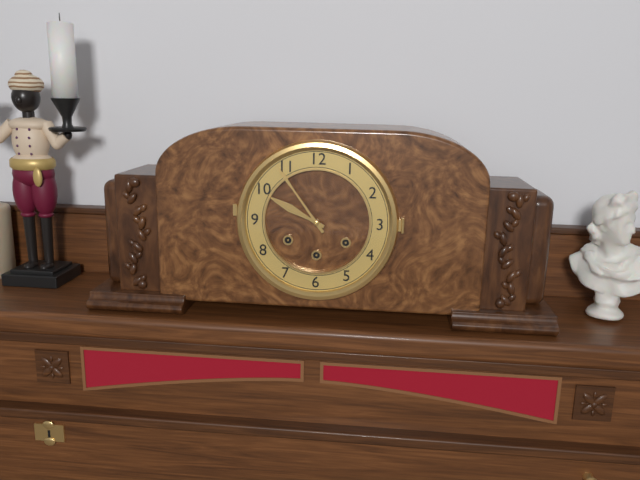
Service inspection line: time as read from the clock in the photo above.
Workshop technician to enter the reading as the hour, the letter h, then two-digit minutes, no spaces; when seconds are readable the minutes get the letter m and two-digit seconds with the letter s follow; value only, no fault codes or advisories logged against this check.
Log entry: 9h54
